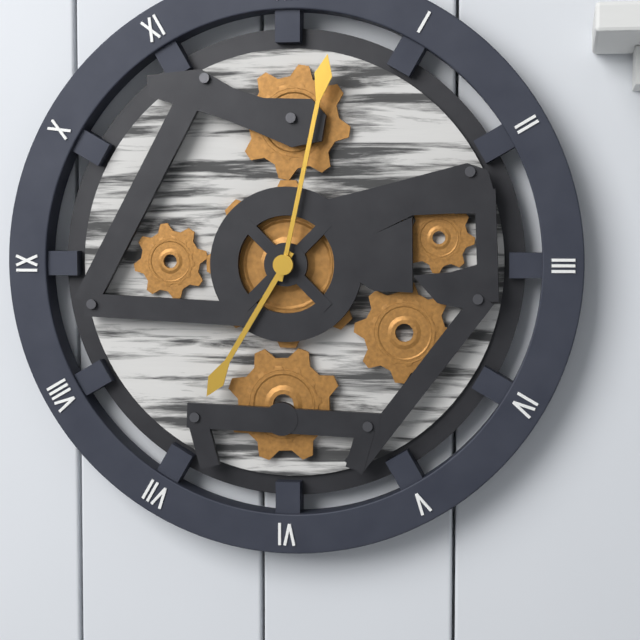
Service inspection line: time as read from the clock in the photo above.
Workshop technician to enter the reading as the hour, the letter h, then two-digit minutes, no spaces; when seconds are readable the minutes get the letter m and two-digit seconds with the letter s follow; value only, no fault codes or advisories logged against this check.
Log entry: 7h02
